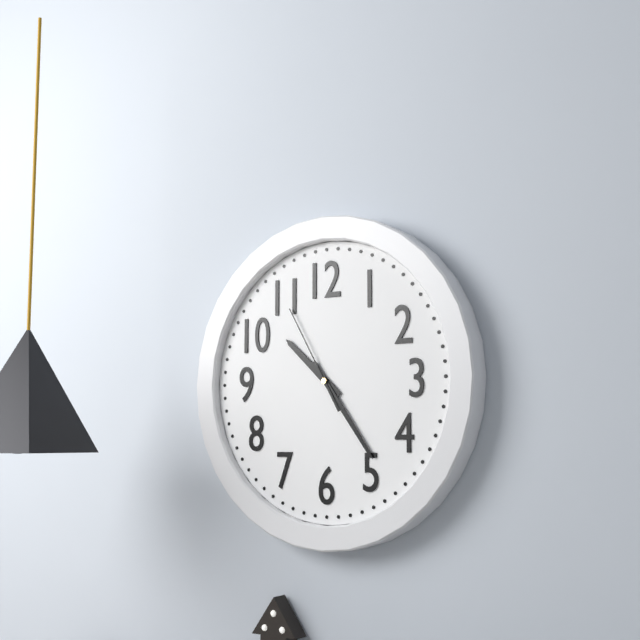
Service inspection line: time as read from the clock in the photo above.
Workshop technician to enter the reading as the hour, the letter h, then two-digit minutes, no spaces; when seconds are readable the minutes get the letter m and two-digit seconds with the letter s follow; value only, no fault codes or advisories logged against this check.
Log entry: 10h24m55s
